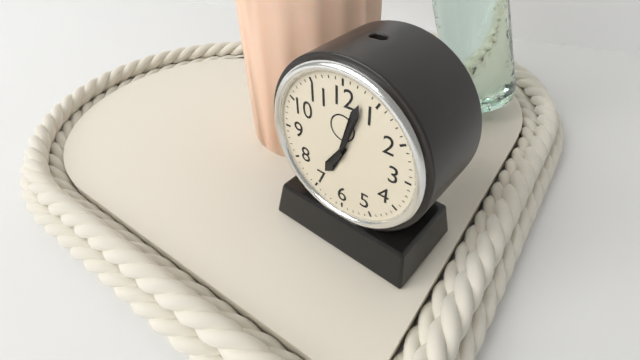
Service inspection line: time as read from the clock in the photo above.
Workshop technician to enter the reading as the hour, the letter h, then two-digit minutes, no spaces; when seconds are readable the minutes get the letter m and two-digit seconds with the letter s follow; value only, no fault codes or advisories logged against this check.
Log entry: 7h03
